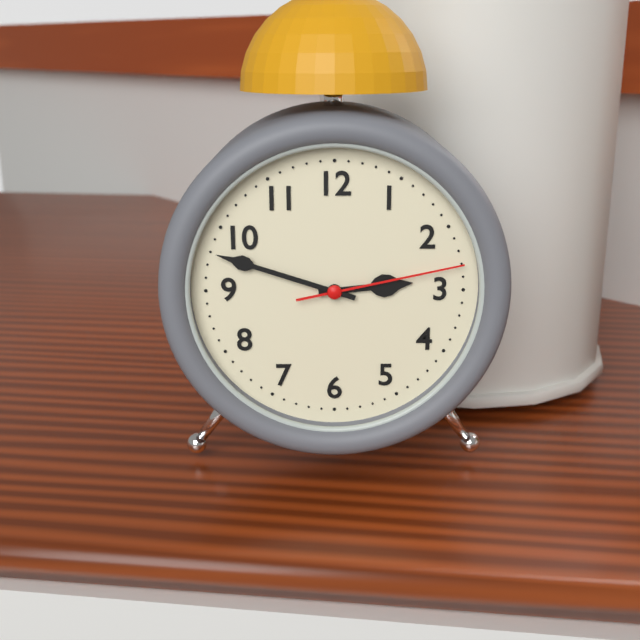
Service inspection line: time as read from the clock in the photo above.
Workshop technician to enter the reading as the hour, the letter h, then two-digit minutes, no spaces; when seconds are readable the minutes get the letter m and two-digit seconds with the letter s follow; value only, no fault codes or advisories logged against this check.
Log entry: 2h48m13s
